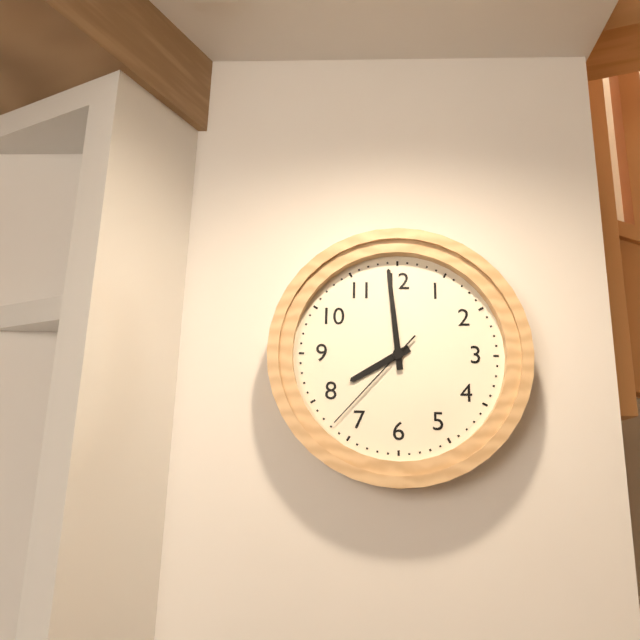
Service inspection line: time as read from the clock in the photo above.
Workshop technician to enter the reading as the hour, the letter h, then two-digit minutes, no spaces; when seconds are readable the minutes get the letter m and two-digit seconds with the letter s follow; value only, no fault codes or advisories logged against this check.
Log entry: 7h59m37s
